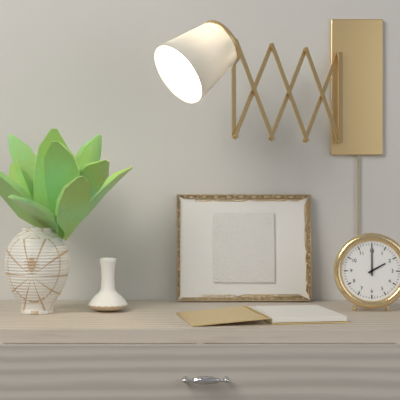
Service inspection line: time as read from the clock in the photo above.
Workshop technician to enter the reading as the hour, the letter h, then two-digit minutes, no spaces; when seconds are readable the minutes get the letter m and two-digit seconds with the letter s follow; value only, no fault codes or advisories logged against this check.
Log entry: 2h00
